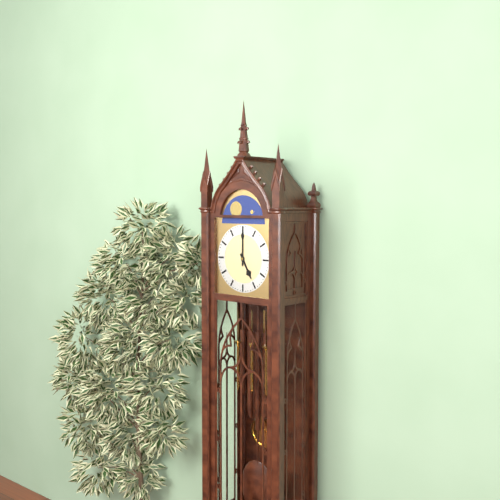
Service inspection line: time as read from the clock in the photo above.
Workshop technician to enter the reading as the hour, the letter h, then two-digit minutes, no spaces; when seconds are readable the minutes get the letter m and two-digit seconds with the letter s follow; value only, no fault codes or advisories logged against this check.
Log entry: 5h00
